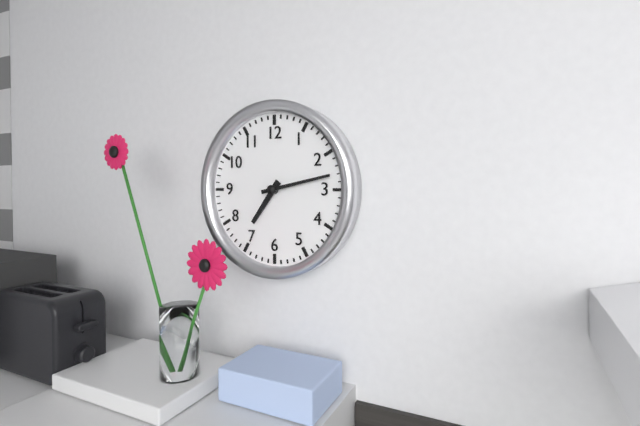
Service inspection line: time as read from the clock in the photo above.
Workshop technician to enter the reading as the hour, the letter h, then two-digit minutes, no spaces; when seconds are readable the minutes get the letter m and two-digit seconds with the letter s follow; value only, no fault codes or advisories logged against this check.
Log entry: 7h13
